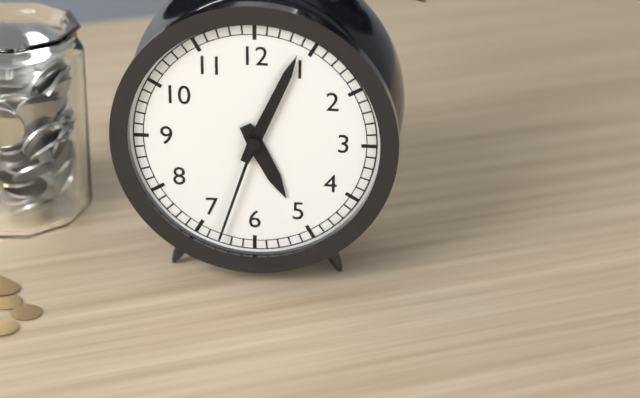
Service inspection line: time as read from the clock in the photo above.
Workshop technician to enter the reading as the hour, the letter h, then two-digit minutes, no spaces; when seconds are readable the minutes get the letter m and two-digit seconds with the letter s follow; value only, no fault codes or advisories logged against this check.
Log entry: 5h04m33s
